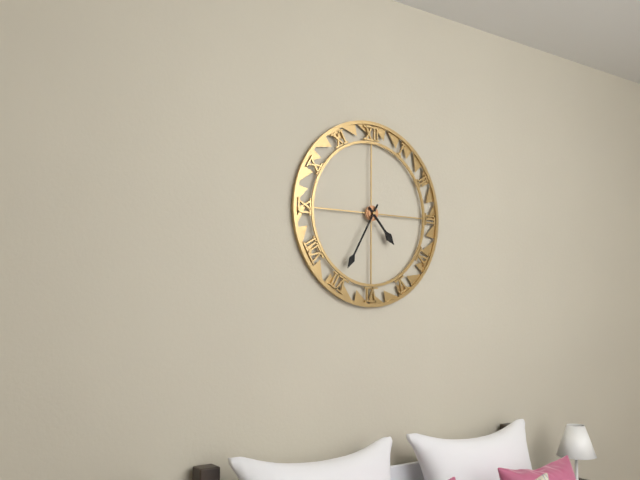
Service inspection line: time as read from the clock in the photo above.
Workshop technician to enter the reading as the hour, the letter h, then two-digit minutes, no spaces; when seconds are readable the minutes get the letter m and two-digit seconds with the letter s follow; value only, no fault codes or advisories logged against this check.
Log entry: 4h35
